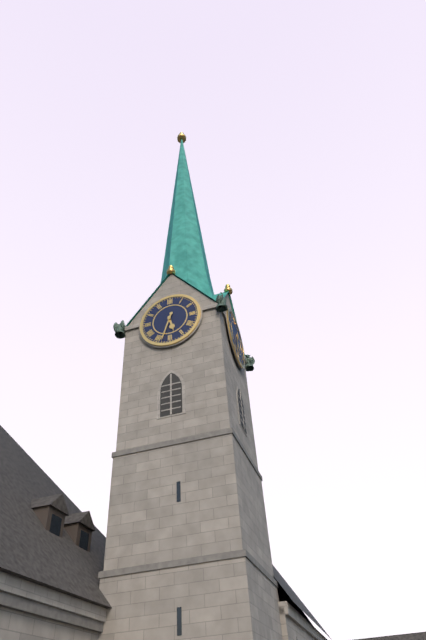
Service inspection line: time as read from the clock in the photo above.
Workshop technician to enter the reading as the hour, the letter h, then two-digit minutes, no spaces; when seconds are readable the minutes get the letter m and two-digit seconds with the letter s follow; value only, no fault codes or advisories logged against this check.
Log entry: 5h33
